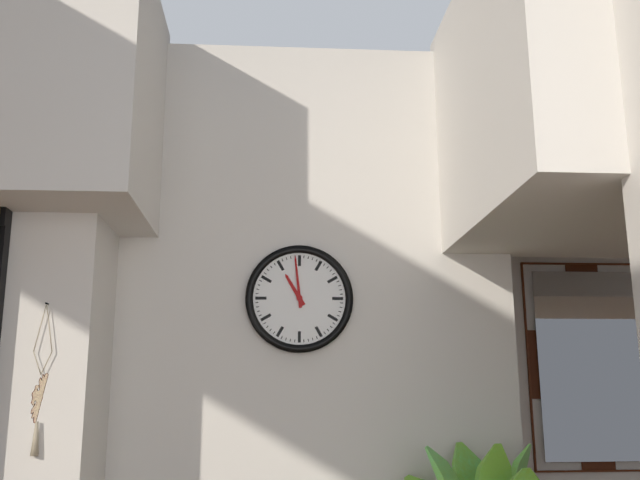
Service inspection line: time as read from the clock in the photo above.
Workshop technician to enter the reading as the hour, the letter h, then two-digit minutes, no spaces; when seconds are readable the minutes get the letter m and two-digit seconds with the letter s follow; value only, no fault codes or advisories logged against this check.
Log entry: 10h59
